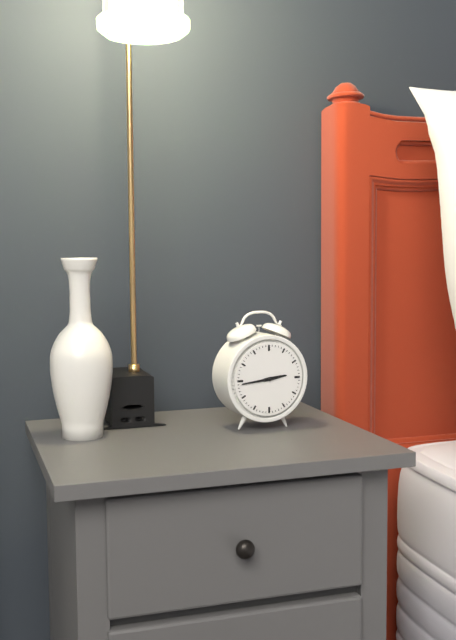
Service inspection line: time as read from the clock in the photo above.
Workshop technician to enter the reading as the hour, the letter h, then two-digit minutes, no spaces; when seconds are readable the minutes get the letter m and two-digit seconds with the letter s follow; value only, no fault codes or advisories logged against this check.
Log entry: 2h44
